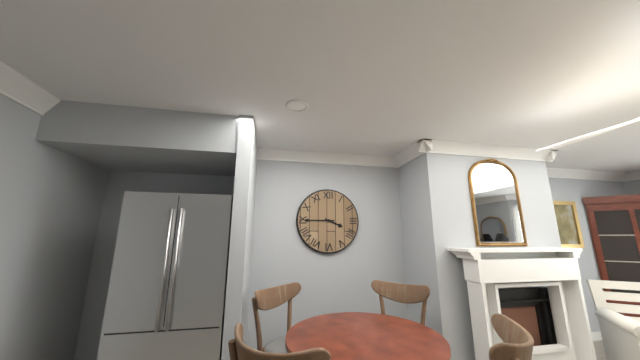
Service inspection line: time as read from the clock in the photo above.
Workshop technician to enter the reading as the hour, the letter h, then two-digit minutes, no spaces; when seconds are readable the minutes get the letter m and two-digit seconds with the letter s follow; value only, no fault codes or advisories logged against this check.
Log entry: 3h45
